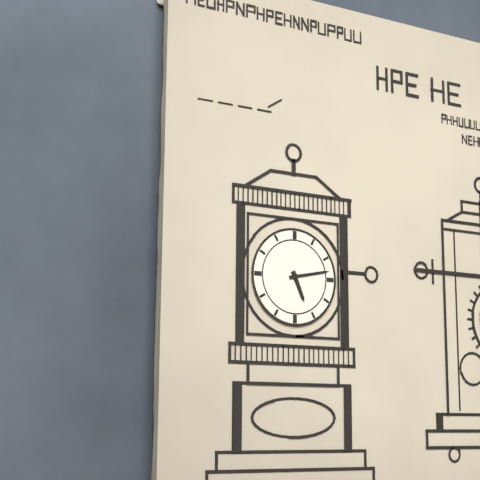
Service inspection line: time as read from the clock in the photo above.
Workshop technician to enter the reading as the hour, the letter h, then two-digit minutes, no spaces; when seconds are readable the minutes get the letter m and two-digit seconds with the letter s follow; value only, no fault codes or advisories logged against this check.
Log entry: 5h13
